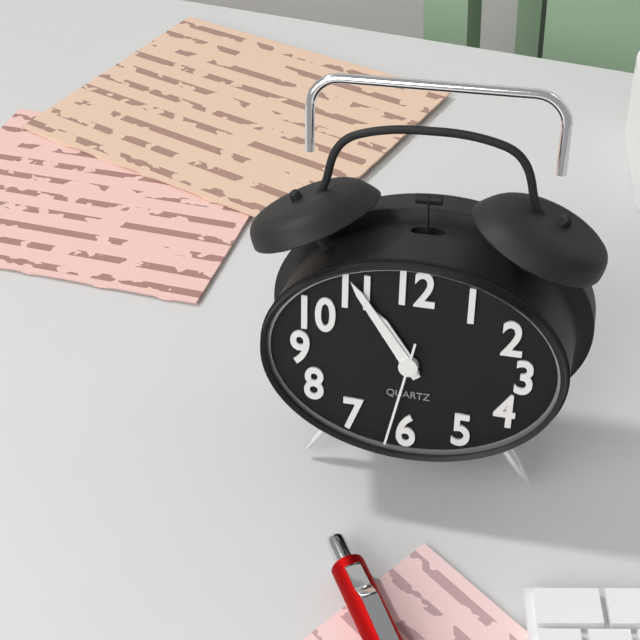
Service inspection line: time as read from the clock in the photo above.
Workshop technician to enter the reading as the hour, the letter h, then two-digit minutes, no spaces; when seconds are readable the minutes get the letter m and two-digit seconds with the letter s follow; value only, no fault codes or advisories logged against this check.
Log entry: 10h54m32s
